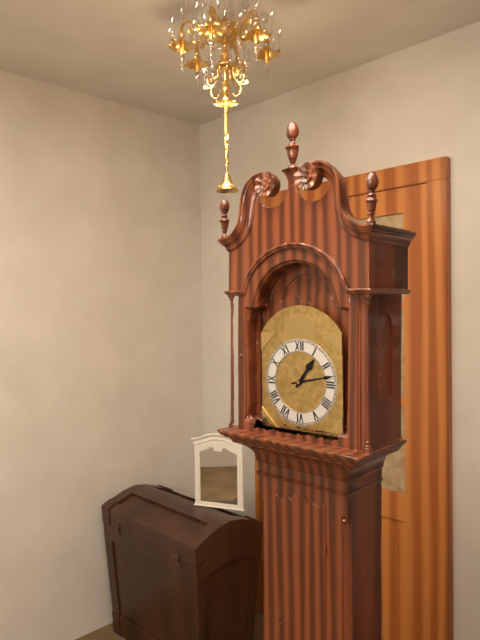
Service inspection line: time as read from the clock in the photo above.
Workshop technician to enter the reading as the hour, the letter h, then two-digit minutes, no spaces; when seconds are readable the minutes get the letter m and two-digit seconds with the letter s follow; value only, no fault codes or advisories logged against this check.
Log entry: 1h13
